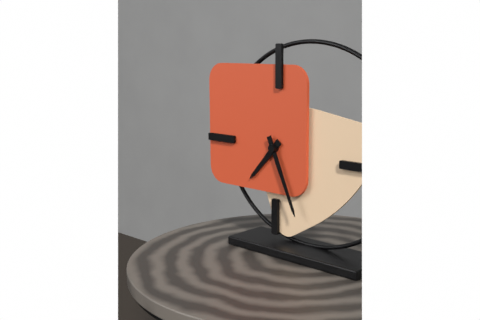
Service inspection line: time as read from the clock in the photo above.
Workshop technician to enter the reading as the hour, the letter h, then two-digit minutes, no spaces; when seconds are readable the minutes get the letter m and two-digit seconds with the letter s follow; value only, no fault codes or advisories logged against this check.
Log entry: 7h26
